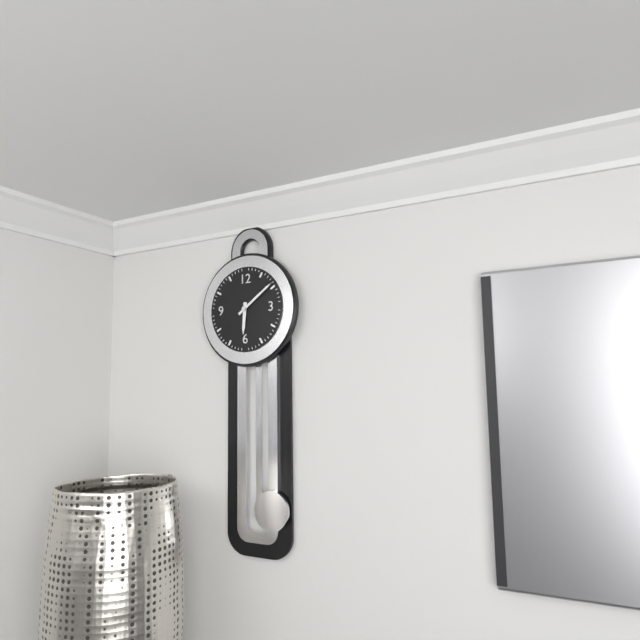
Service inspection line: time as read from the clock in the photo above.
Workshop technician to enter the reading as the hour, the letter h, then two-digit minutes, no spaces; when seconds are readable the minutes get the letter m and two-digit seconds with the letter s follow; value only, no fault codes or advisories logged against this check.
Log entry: 6h09
